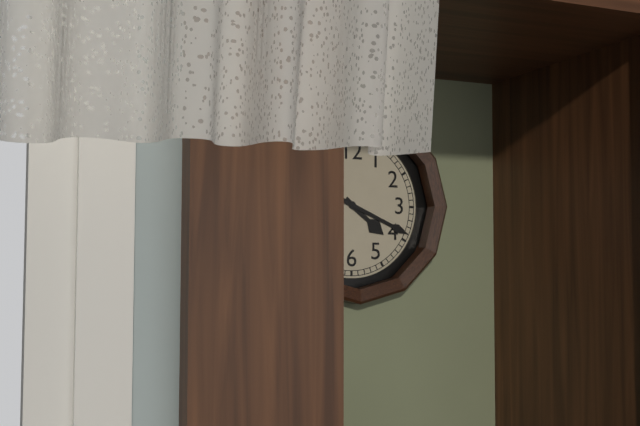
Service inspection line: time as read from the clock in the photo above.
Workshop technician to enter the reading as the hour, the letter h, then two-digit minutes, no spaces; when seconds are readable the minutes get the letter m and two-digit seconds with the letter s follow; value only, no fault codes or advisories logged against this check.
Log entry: 4h19
